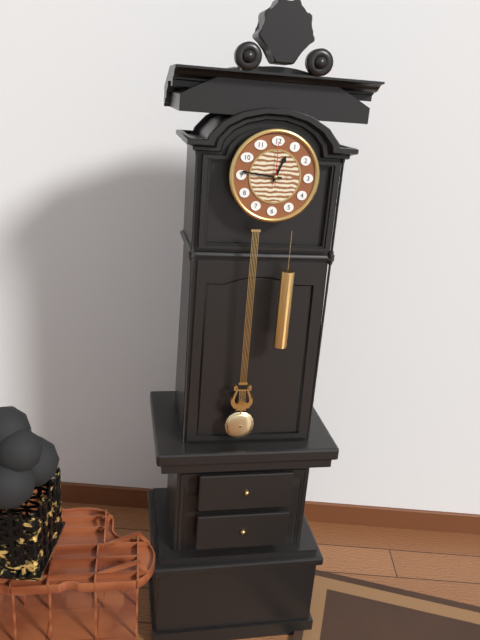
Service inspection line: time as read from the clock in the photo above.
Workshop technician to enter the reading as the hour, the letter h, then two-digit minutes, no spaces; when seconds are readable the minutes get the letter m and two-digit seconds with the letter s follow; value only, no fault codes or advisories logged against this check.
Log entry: 12h46
